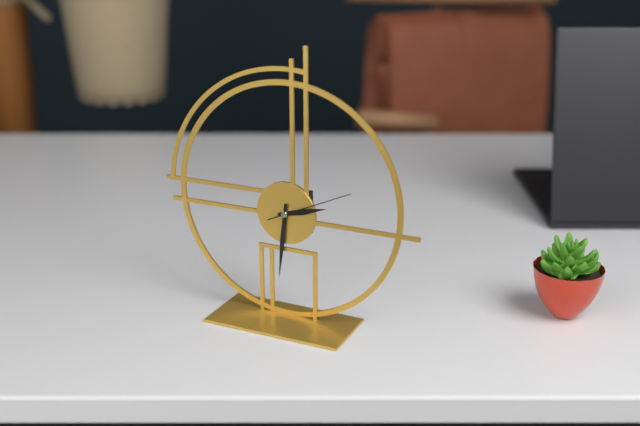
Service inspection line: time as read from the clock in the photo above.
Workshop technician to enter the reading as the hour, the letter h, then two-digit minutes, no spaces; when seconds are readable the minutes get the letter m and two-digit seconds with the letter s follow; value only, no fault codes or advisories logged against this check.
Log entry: 2h31m11s
